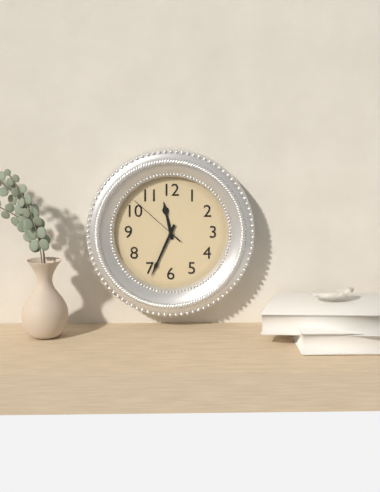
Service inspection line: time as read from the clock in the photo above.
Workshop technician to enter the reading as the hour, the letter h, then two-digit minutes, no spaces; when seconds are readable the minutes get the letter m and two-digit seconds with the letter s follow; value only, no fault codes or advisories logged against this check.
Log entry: 11h34m52s
